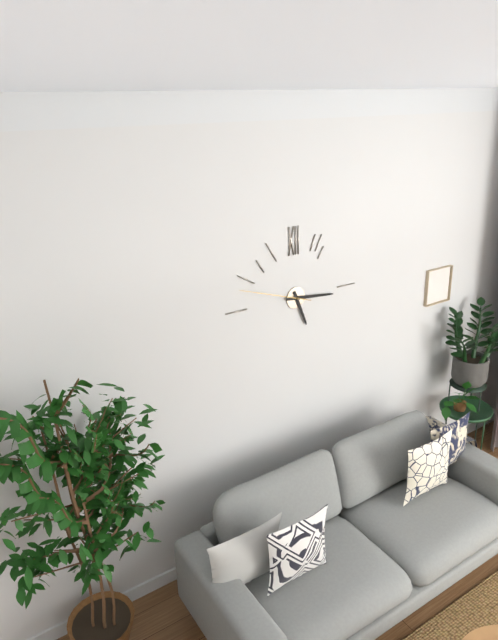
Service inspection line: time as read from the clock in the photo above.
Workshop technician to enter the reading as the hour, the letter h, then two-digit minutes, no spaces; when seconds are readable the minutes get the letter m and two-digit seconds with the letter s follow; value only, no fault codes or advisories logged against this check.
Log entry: 5h16m48s
